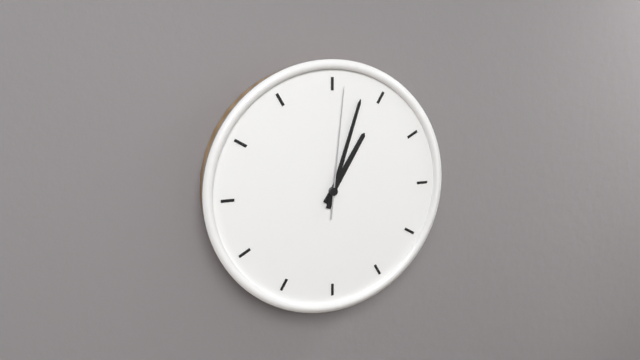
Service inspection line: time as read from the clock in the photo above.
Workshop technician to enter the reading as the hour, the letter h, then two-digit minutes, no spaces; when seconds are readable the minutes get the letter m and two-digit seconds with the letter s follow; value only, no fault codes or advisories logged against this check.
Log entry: 1h03m01s
